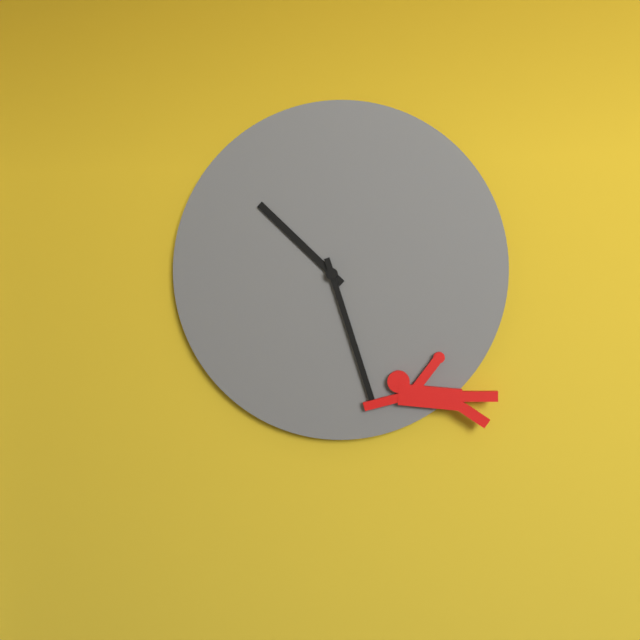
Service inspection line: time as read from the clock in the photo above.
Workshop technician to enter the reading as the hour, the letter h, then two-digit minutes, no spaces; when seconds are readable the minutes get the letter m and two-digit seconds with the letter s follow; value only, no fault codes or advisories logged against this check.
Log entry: 10h27
